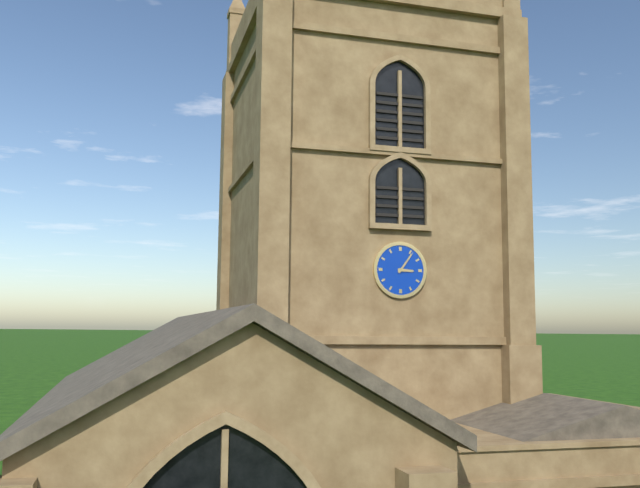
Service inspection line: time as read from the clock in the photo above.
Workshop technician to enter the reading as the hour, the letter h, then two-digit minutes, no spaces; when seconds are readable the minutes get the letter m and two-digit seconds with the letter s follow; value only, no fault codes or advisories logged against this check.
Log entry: 3h06
